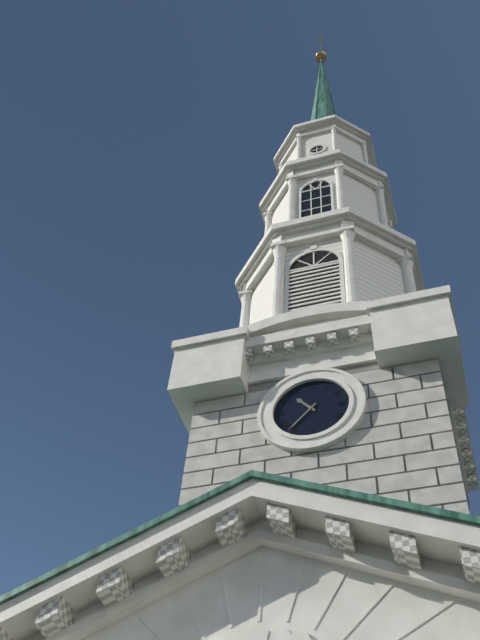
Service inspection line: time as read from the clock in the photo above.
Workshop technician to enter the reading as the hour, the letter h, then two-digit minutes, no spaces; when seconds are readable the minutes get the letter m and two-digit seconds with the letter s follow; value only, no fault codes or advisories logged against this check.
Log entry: 10h37
